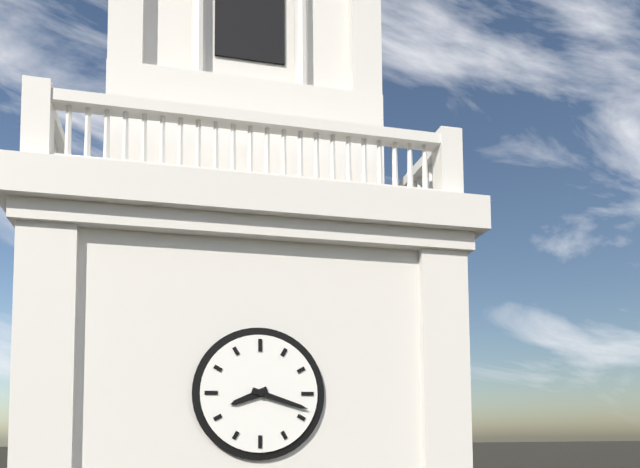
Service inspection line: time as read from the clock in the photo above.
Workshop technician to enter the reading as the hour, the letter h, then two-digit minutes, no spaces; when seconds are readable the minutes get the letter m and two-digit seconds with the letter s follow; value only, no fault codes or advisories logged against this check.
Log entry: 8h18
